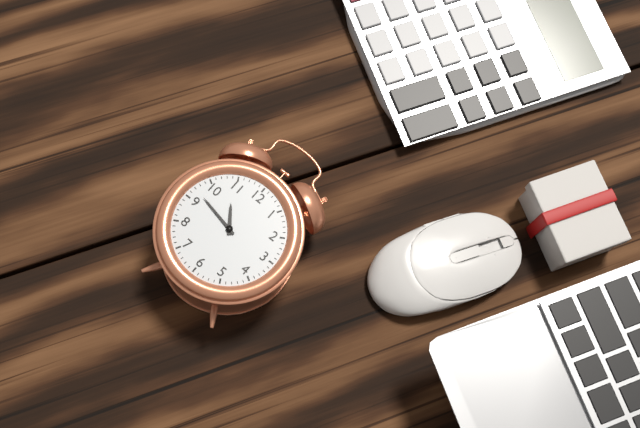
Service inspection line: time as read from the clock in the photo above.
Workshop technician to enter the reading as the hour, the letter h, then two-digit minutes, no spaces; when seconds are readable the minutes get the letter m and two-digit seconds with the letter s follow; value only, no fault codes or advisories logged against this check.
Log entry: 10h47
